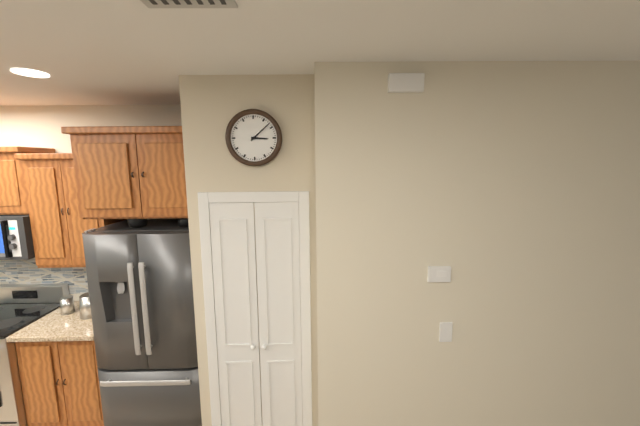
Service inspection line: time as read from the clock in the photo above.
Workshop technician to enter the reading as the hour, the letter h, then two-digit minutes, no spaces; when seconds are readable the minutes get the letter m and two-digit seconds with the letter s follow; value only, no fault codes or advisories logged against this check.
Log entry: 3h08
